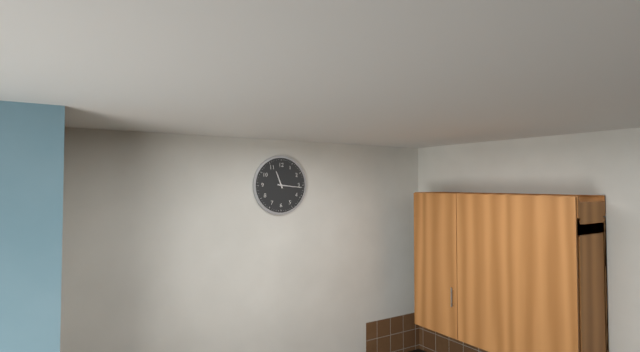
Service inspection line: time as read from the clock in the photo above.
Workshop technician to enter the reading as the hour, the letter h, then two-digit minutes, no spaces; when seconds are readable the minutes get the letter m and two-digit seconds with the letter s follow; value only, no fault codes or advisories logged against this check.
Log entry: 11h16
